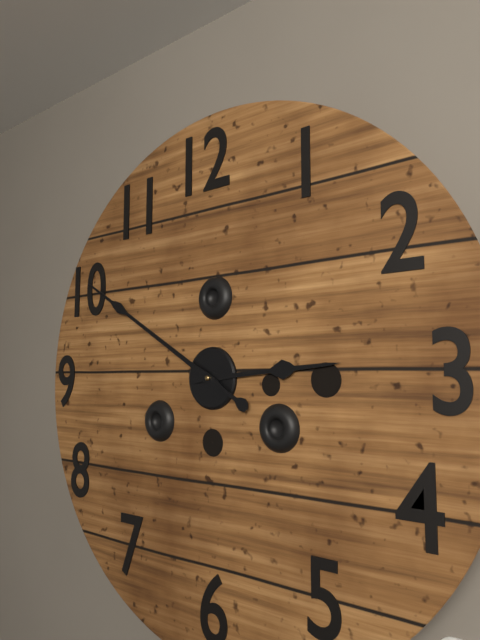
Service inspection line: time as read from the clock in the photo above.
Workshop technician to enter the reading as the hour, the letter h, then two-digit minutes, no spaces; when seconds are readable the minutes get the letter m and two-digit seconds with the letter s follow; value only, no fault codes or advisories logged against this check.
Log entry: 2h50
